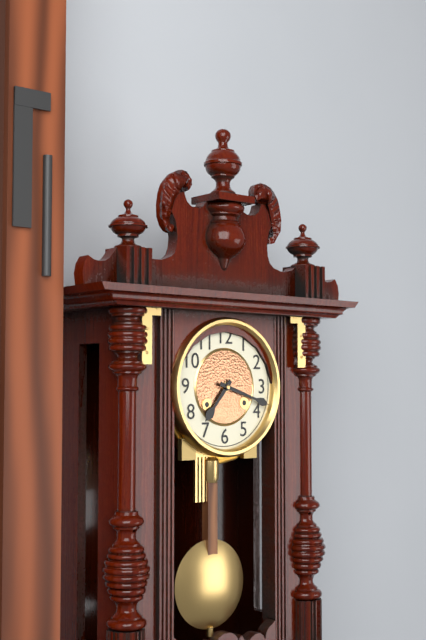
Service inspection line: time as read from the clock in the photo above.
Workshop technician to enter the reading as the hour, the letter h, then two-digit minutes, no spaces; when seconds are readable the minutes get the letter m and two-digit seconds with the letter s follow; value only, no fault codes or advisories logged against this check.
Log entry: 7h18
